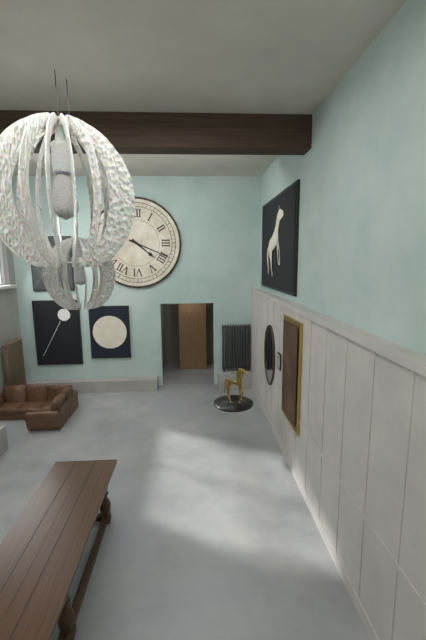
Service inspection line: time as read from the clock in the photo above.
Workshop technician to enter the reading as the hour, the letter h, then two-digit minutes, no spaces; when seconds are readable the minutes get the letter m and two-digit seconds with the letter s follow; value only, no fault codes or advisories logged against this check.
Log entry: 4h19
